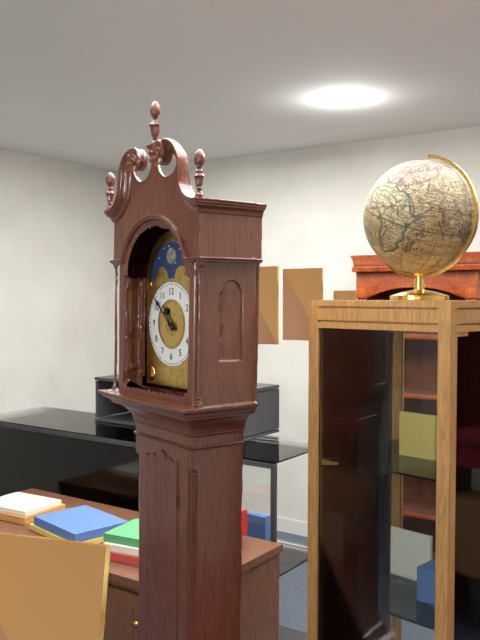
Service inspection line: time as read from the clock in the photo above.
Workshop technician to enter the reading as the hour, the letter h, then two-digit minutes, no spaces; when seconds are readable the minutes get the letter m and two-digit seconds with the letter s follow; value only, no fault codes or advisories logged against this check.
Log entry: 10h52
